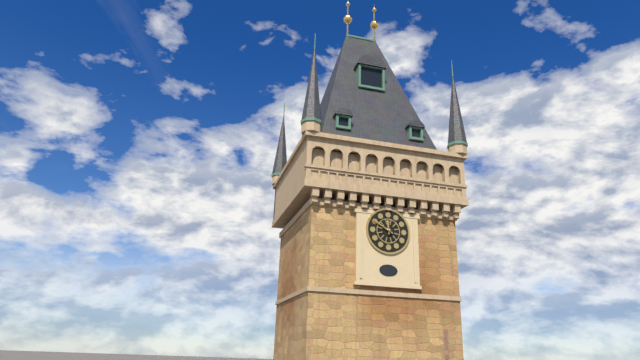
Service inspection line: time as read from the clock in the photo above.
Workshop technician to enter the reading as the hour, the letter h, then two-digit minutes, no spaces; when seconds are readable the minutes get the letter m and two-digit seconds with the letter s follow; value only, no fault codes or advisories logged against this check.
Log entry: 11h50
